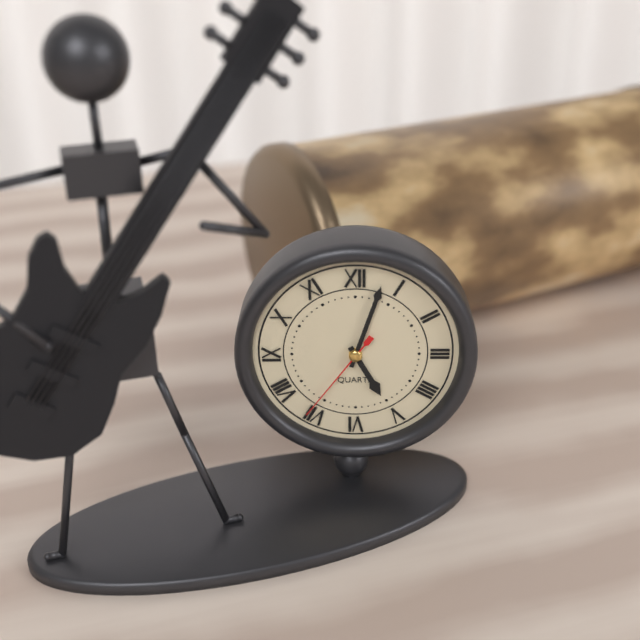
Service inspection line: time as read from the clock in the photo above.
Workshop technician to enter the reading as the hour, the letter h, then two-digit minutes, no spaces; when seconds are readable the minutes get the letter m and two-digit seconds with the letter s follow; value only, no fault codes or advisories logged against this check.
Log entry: 5h03m36s
